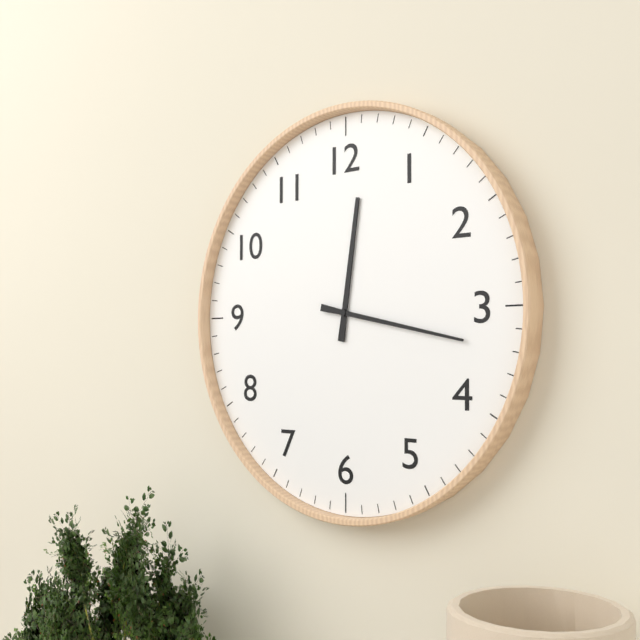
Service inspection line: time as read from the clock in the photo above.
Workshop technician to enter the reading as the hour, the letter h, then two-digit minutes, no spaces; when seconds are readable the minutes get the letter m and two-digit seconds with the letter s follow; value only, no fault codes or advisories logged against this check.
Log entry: 12h17
